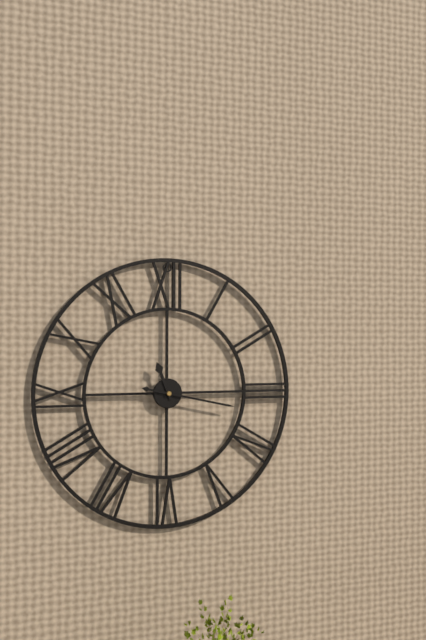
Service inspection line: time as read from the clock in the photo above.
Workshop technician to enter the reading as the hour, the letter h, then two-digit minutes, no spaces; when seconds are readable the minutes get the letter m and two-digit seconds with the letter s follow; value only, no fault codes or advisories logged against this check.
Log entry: 11h17
